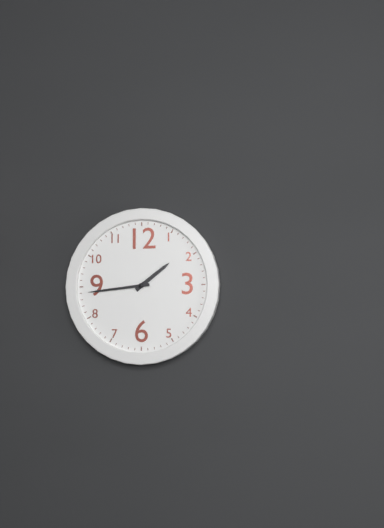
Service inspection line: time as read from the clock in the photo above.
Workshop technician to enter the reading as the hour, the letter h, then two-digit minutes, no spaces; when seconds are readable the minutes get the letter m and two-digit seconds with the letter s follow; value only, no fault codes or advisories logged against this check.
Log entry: 1h44
